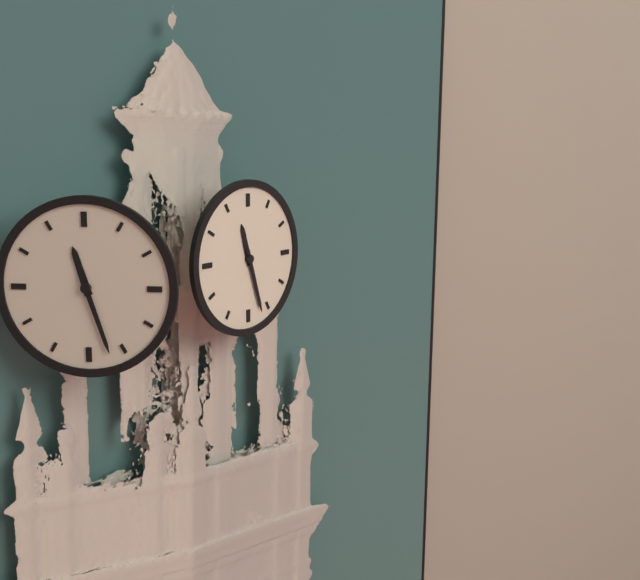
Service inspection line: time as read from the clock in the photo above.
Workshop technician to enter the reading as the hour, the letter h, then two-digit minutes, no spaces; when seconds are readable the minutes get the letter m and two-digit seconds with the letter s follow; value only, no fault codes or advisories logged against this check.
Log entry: 11h27
